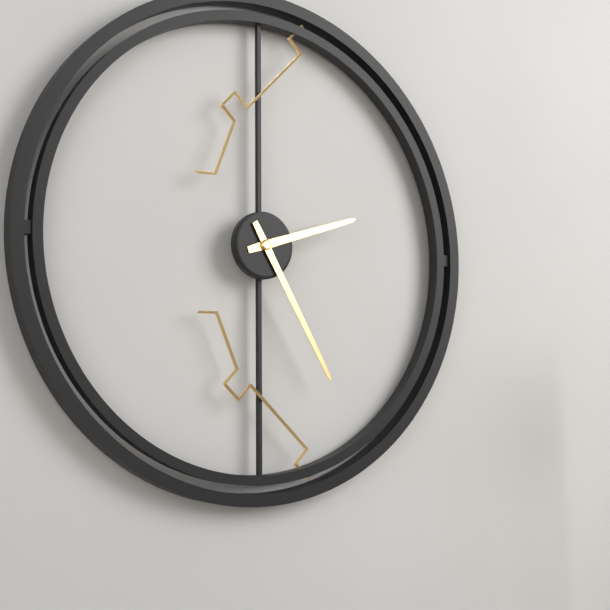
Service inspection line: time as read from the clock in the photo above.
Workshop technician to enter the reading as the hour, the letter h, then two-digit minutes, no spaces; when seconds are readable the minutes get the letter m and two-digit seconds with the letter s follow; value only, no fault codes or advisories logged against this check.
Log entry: 2h25
